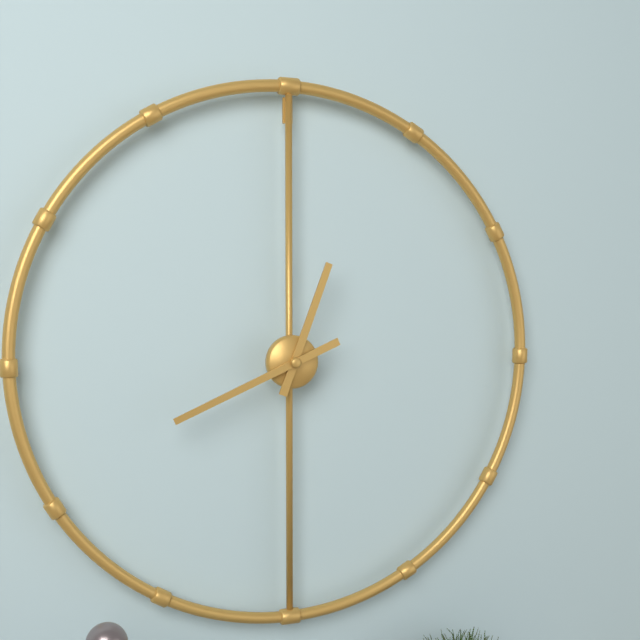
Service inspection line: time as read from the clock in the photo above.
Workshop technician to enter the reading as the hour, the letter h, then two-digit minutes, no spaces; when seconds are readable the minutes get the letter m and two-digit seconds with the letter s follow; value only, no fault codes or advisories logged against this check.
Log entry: 12h41
